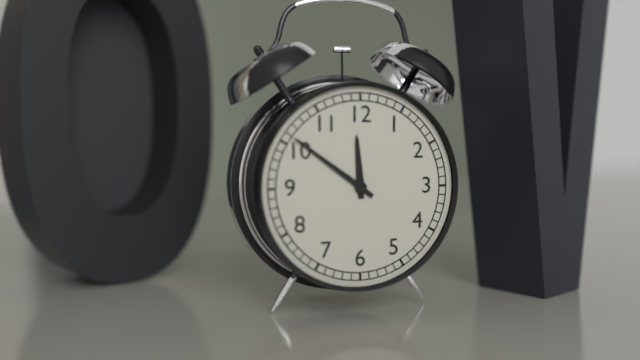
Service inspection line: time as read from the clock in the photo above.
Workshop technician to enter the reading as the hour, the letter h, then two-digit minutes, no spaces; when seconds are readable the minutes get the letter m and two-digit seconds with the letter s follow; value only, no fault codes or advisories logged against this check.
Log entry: 11h51
